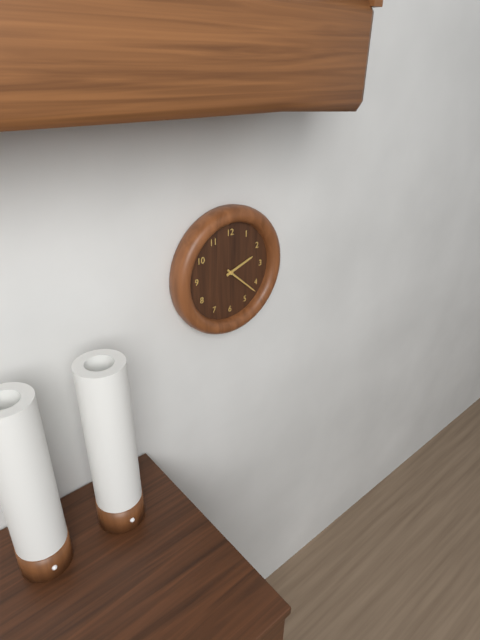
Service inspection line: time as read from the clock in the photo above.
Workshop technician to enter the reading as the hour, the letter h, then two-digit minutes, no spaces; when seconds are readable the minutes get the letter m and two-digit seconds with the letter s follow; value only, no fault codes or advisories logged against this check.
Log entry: 2h22
